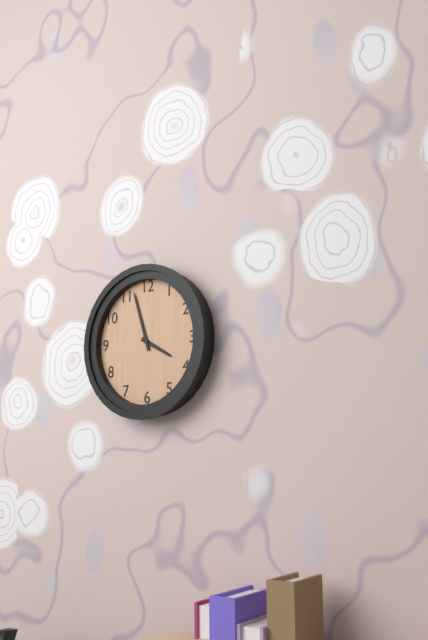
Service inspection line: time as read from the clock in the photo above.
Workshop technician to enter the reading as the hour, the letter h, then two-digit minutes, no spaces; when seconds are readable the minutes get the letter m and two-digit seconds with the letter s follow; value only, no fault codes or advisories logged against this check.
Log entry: 3h57
